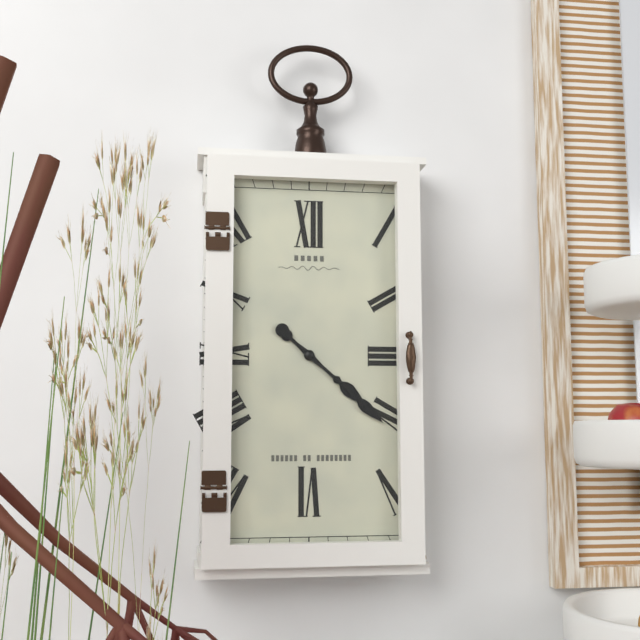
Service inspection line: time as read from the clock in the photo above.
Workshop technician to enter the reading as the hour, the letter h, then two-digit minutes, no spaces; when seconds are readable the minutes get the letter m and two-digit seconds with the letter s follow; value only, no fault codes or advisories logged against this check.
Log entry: 4h22
